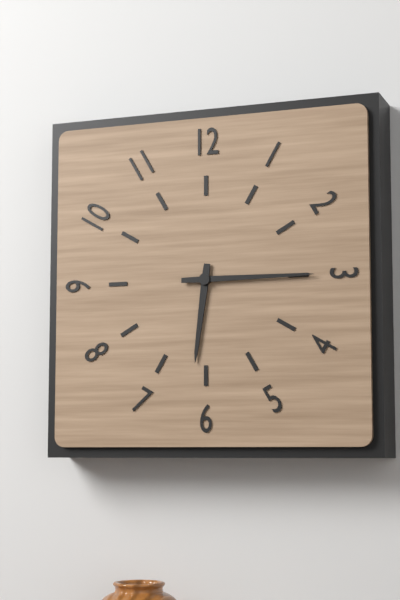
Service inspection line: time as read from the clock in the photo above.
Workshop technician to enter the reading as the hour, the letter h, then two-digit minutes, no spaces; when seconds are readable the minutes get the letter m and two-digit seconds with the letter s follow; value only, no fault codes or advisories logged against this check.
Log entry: 6h15
